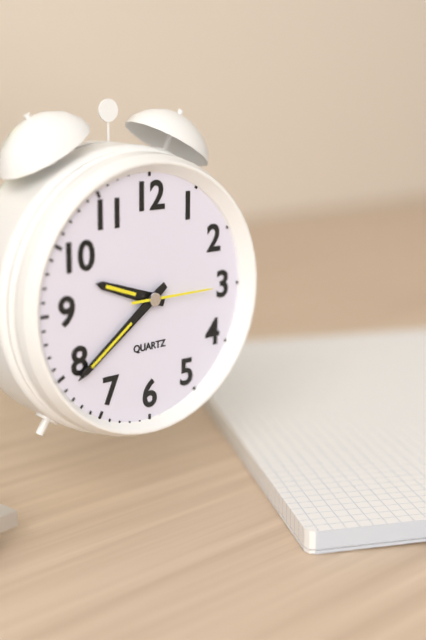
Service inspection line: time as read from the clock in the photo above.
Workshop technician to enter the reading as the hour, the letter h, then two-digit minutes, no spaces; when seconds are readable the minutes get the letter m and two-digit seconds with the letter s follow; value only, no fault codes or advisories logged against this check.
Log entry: 9h39m15s
